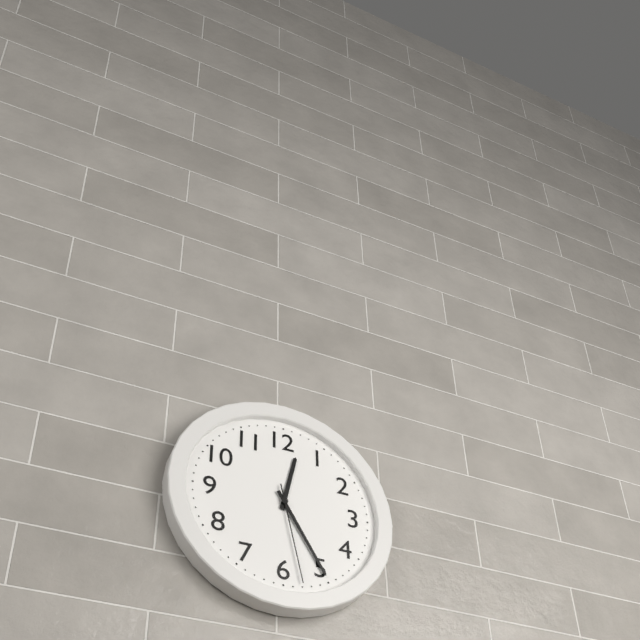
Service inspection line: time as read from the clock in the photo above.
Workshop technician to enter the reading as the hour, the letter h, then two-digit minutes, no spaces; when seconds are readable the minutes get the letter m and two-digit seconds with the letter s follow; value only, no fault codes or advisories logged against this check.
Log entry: 12h25m28s
